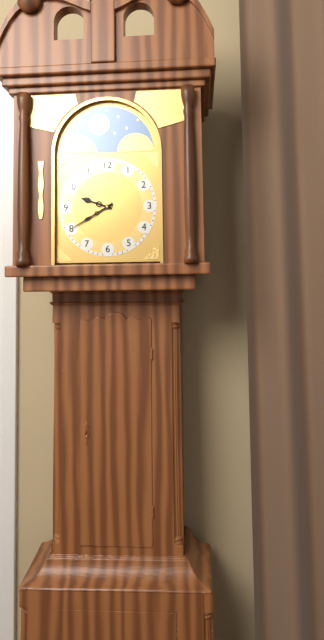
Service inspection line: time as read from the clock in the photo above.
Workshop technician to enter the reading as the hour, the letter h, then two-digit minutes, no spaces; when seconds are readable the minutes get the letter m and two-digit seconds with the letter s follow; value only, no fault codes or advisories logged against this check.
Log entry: 9h40
